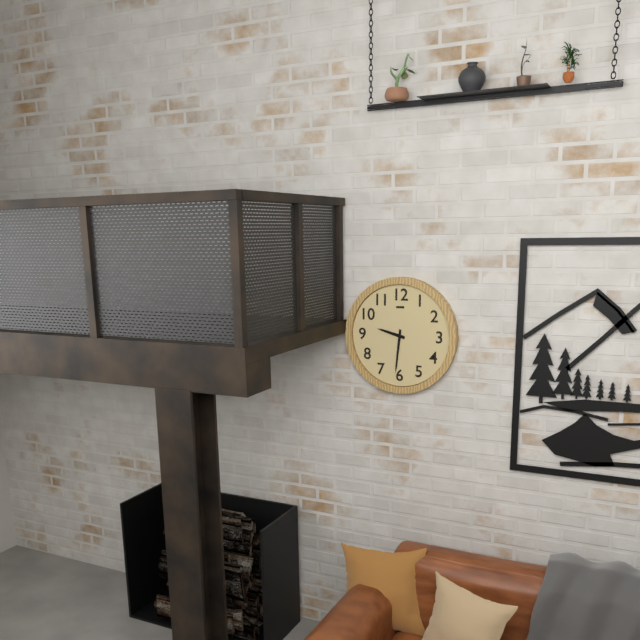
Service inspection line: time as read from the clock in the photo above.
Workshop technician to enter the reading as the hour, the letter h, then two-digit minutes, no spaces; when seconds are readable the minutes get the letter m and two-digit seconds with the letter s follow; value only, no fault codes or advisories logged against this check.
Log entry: 9h31
